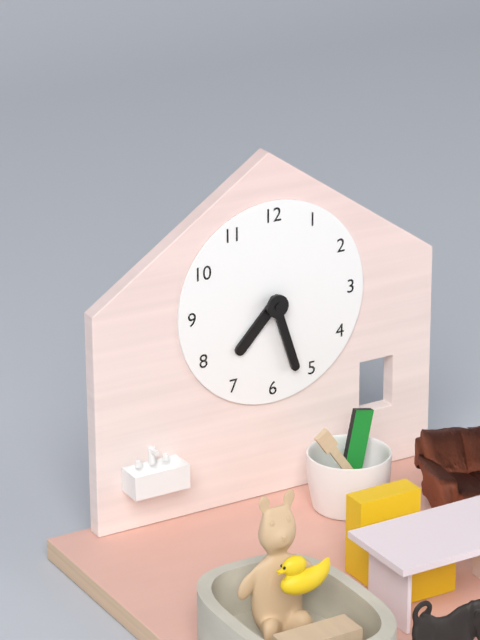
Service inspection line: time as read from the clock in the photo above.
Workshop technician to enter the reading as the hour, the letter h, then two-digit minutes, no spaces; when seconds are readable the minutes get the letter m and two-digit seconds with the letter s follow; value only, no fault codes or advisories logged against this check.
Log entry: 7h27
